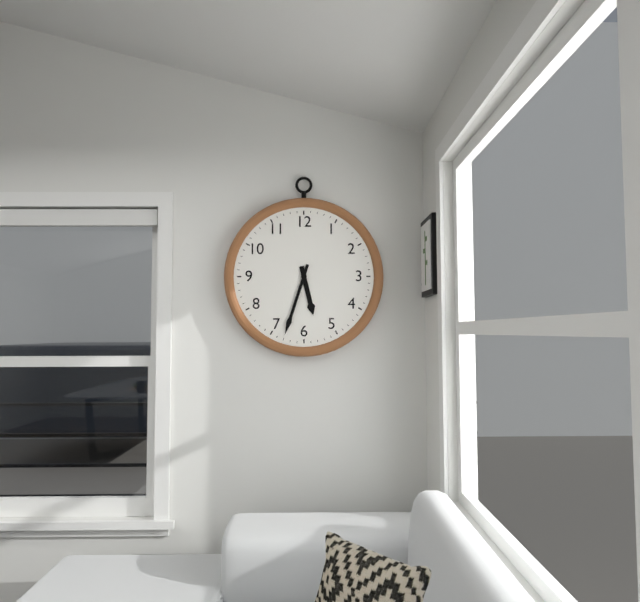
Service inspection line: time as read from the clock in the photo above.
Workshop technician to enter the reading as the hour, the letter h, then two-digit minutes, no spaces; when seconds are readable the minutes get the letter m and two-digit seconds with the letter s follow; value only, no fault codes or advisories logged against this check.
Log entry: 5h33
